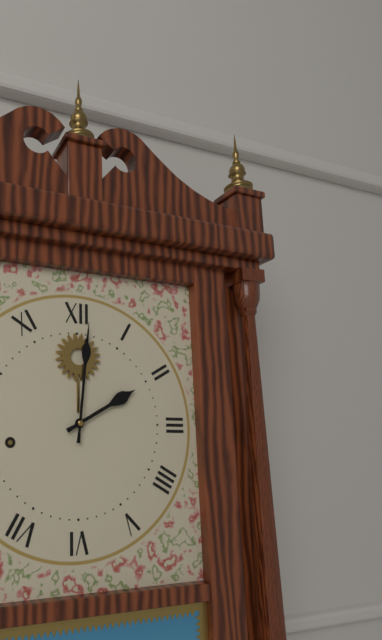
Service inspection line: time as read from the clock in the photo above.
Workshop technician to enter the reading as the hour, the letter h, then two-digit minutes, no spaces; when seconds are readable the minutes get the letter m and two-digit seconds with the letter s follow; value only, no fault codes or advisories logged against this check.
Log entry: 2h01
